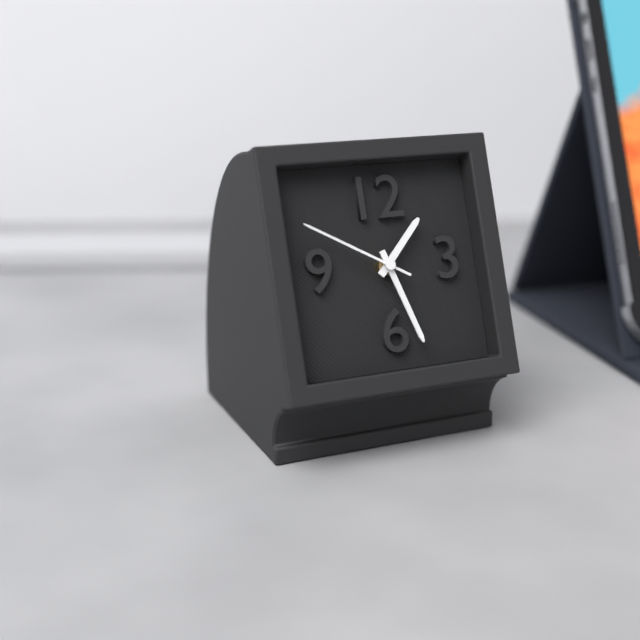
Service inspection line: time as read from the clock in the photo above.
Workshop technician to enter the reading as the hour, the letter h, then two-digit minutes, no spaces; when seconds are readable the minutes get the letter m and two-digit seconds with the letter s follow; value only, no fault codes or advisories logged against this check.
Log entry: 1h27m50s
